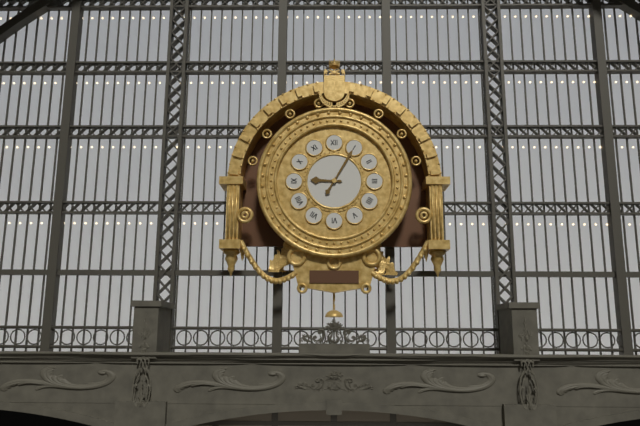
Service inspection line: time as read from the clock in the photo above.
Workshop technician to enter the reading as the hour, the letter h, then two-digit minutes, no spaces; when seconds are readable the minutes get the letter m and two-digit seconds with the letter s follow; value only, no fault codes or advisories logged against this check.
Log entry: 9h05
